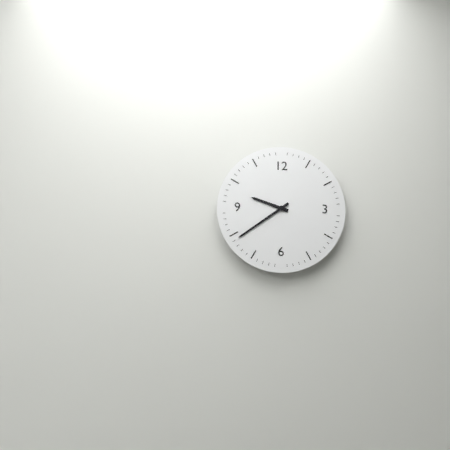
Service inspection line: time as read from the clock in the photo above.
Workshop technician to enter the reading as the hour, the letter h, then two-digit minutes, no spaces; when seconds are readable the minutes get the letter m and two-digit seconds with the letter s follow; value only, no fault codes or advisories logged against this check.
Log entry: 9h39
